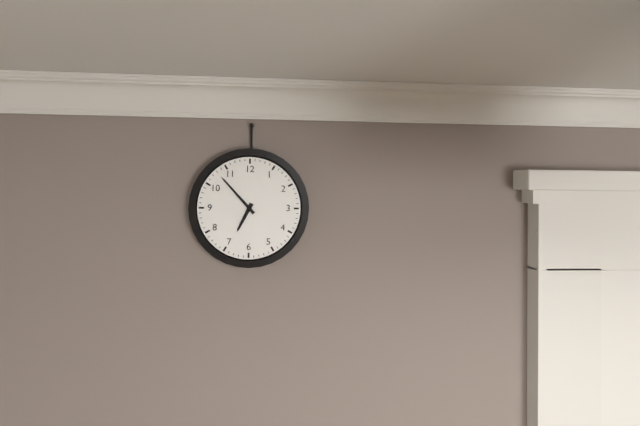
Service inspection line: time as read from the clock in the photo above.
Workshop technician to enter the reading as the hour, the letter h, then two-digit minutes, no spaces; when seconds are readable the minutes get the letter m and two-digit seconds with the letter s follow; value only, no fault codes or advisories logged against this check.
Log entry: 6h53
